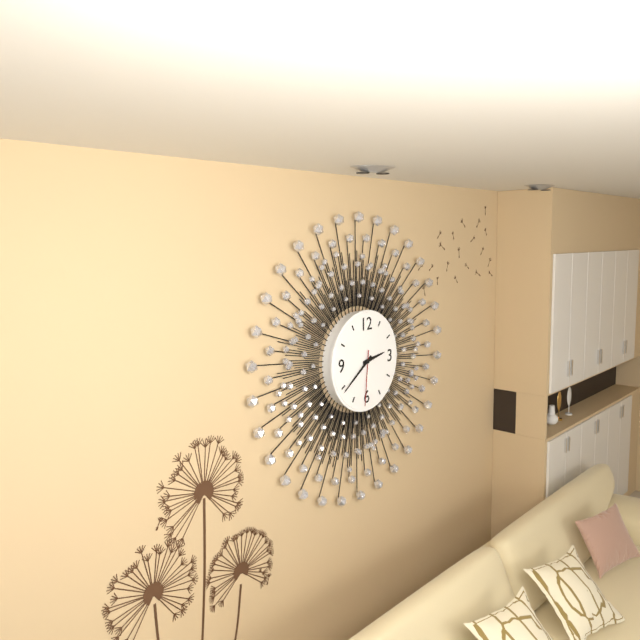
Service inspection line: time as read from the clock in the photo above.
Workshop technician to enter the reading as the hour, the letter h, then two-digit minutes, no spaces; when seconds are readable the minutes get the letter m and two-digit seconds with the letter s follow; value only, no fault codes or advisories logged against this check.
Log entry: 2h39m31s
